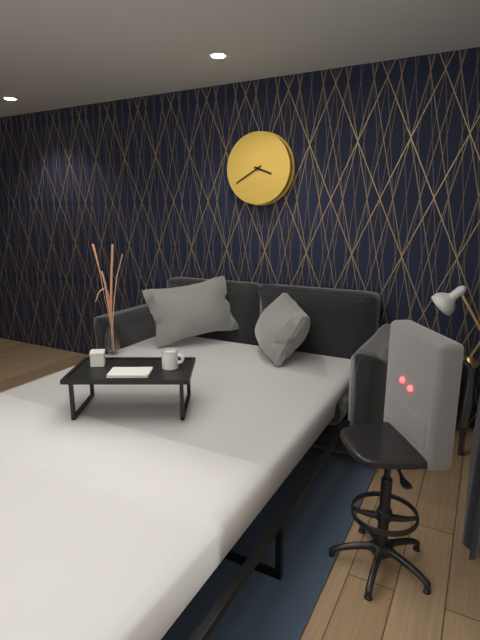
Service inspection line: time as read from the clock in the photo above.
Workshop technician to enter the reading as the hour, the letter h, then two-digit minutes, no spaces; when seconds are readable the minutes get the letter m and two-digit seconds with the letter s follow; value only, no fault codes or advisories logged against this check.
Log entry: 3h40
